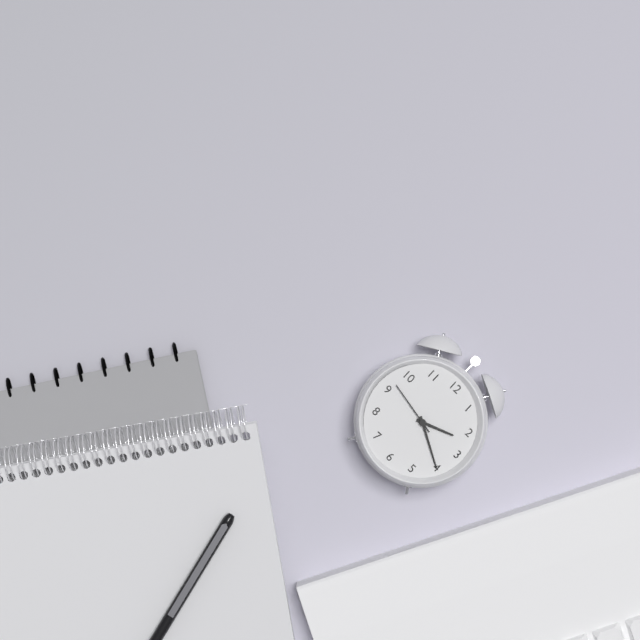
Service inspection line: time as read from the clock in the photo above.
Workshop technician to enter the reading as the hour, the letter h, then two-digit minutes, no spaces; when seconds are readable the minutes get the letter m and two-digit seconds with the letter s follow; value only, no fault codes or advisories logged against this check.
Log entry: 2h20m47s
